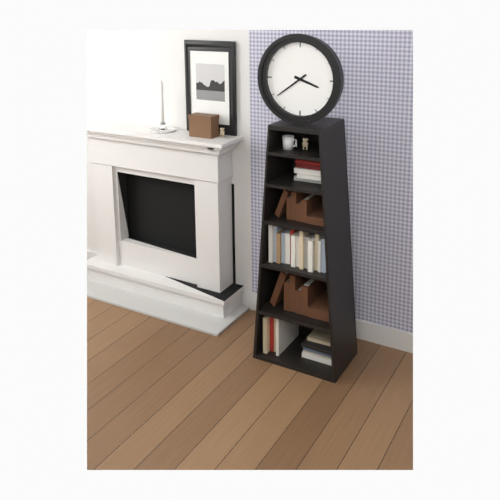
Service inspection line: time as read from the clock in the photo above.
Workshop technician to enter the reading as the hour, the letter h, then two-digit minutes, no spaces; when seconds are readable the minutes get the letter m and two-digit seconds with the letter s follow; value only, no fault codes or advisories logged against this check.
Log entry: 3h39
